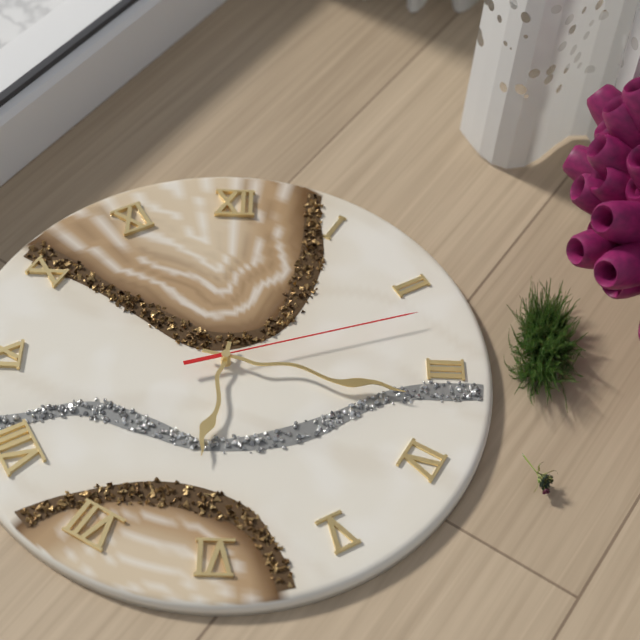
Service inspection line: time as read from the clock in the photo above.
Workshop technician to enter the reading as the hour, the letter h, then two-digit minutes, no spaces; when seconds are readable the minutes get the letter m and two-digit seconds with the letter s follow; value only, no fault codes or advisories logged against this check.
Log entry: 6h17m12s
